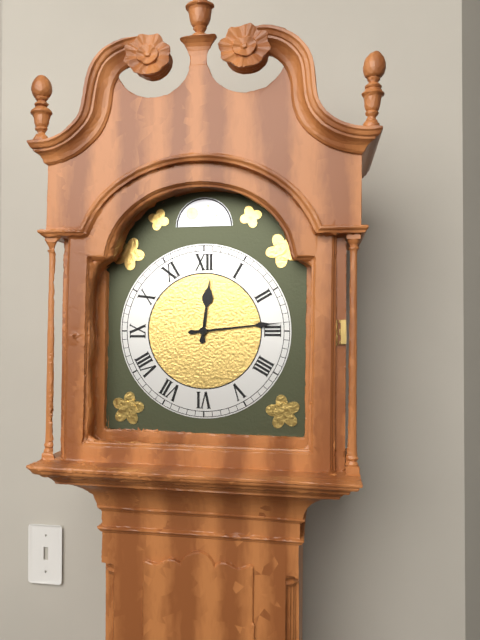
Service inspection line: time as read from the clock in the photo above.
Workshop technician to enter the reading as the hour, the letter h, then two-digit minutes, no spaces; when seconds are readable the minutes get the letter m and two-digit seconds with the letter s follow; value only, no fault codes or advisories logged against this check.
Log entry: 12h14
